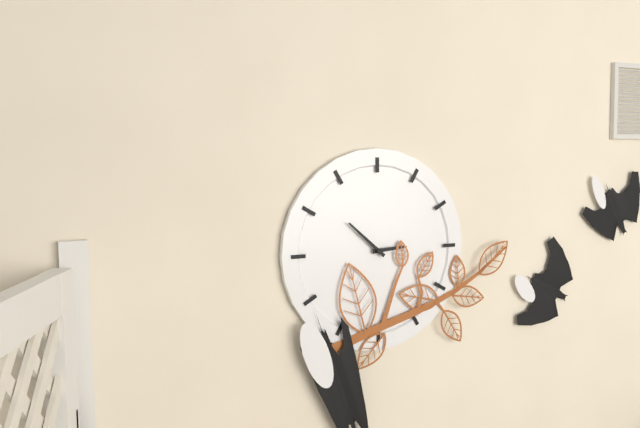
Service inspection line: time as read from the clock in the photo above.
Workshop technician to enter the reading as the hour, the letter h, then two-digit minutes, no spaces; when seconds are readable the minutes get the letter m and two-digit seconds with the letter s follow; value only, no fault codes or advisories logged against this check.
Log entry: 2h52
